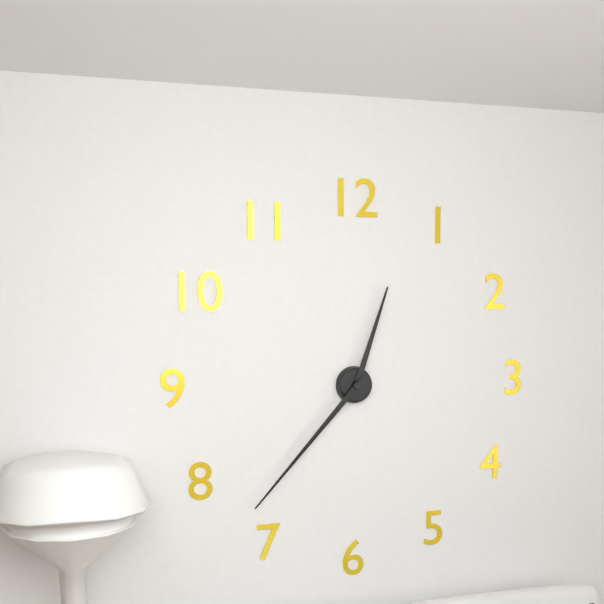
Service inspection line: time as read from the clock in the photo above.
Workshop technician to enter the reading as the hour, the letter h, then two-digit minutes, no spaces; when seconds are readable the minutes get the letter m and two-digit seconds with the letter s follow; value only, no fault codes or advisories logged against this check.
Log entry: 12h37
